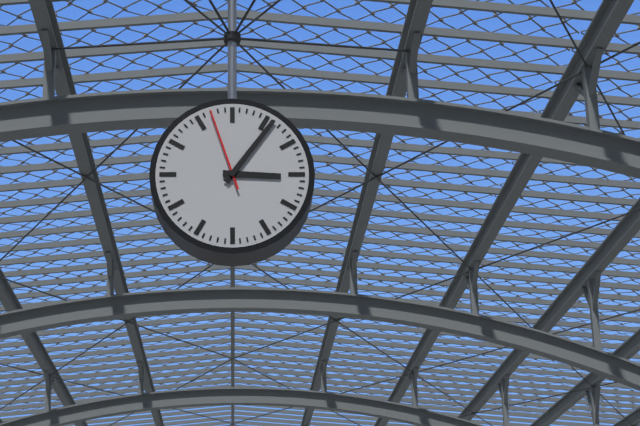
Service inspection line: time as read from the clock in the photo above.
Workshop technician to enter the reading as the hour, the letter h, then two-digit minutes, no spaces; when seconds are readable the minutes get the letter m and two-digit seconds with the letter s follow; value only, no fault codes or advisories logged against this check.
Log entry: 3h06m57s
